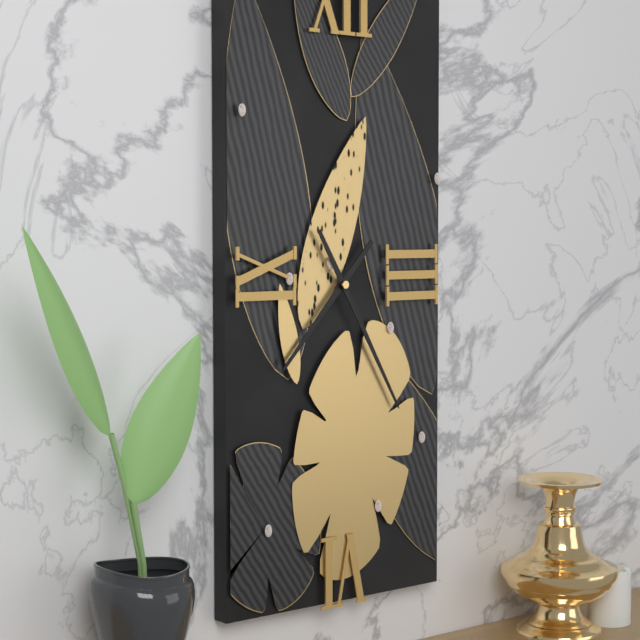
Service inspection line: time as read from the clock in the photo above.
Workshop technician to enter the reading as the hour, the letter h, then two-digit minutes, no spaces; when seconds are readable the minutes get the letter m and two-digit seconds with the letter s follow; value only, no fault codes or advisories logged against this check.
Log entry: 7h25
